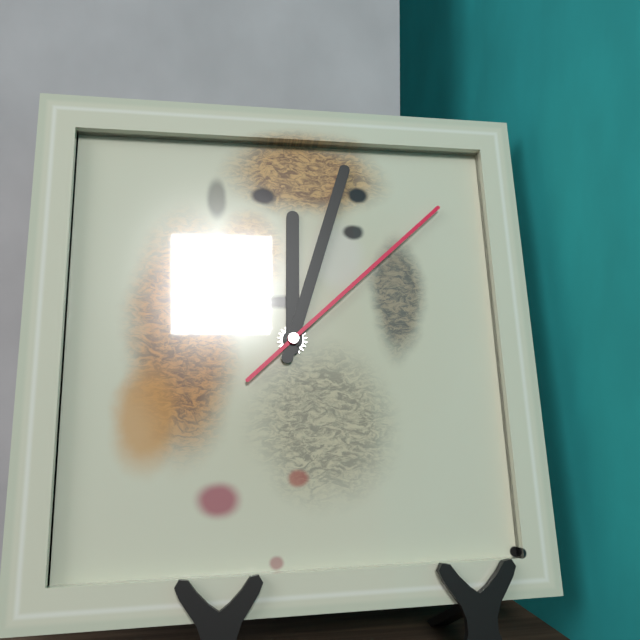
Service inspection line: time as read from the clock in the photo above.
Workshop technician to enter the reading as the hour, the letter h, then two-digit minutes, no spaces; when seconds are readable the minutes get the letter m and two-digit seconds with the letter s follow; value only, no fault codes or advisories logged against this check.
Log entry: 12h03m08s
